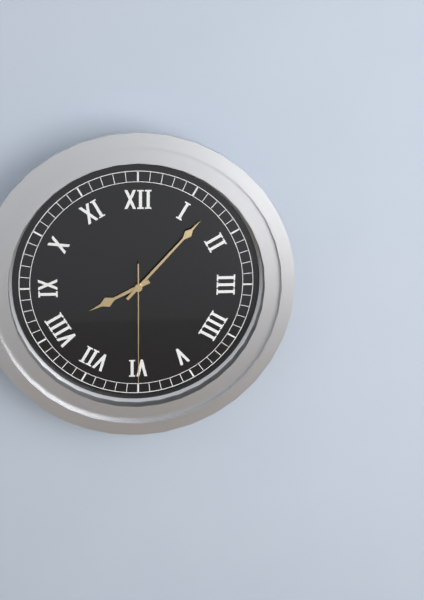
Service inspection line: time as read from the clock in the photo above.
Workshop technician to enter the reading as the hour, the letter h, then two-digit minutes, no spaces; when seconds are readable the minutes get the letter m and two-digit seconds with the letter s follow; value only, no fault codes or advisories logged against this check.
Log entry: 8h07m30s
